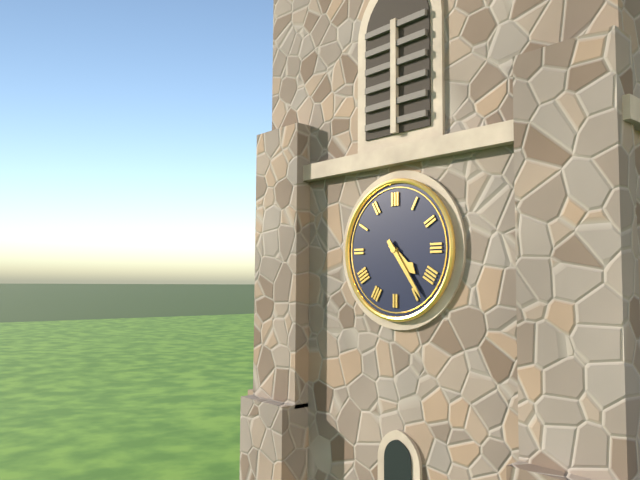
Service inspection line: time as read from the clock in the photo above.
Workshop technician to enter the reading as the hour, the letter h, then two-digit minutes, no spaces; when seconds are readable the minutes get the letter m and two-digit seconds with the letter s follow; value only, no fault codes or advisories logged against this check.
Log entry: 4h24
